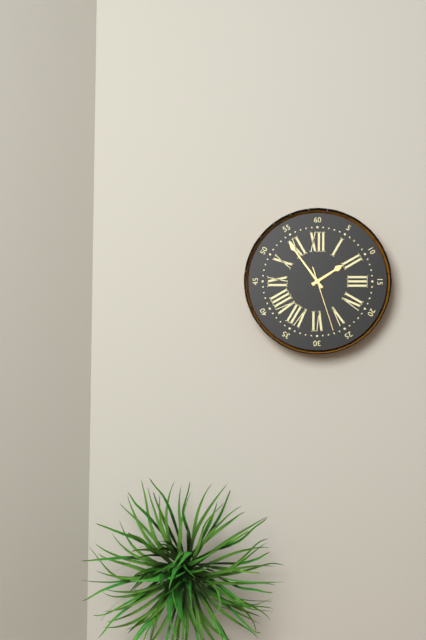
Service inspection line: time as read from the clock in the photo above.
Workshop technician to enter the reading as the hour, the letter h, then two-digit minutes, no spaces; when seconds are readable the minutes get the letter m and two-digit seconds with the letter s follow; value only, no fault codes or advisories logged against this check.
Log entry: 1h54m27s
